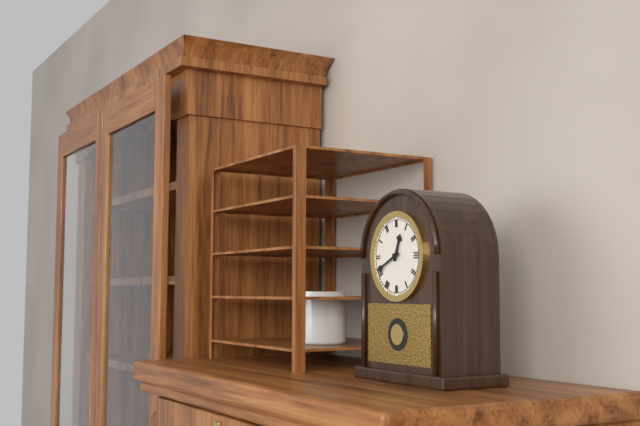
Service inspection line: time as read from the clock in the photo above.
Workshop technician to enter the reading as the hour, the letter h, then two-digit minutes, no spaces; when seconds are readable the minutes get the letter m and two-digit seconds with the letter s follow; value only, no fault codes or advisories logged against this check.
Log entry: 12h41
